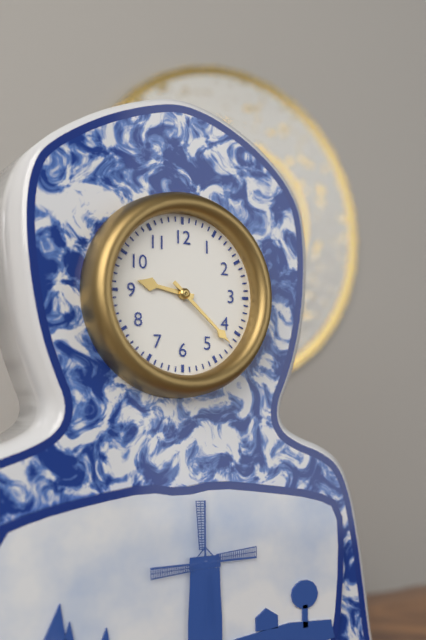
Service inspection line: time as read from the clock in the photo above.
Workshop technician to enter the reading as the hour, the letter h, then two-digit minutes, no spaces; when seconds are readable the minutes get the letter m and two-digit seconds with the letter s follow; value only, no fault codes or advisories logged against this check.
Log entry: 9h22
